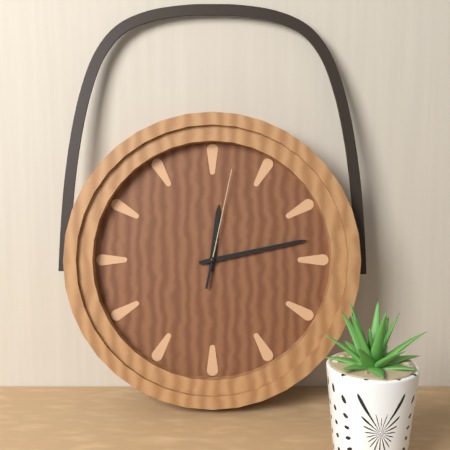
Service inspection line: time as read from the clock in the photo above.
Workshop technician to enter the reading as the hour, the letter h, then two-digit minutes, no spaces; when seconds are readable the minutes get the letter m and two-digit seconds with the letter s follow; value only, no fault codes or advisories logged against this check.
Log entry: 12h13m02s
